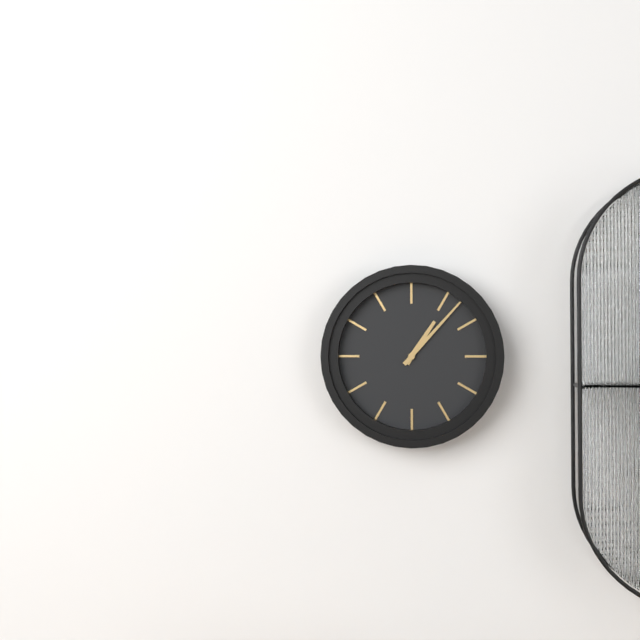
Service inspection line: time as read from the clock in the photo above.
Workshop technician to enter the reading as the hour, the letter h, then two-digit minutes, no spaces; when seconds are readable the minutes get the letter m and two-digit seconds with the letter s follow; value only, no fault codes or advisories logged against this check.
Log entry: 1h07
